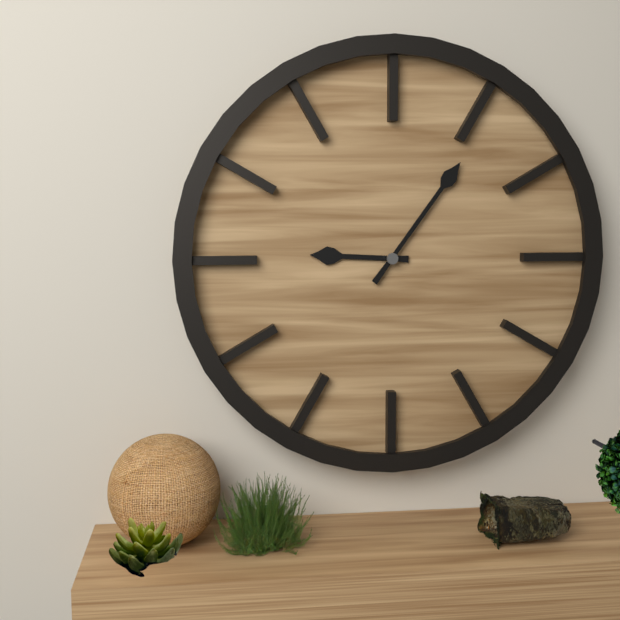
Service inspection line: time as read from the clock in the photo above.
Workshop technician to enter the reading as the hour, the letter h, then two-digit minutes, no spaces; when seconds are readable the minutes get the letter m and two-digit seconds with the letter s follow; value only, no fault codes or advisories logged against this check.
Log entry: 9h06
